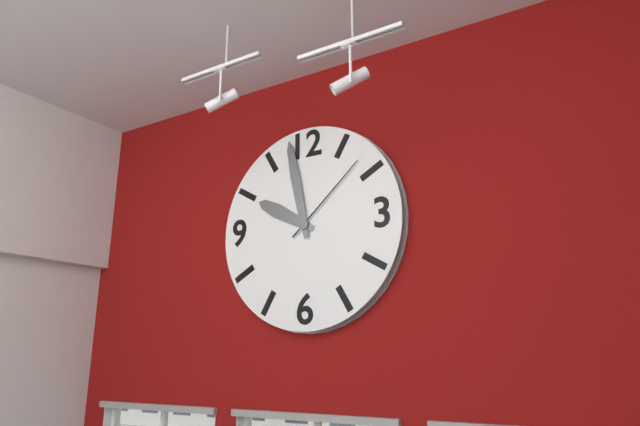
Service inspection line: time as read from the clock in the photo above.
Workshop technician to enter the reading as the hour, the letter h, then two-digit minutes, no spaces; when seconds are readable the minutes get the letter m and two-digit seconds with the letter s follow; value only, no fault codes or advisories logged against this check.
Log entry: 9h58m08s
